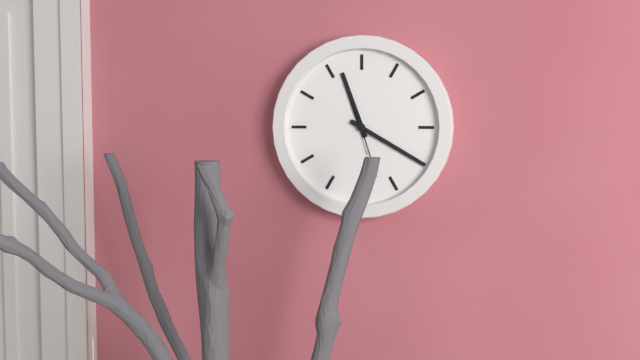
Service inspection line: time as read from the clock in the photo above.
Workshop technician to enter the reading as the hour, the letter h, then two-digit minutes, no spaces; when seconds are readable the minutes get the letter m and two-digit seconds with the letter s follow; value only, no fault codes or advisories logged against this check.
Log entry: 11h20m27s
